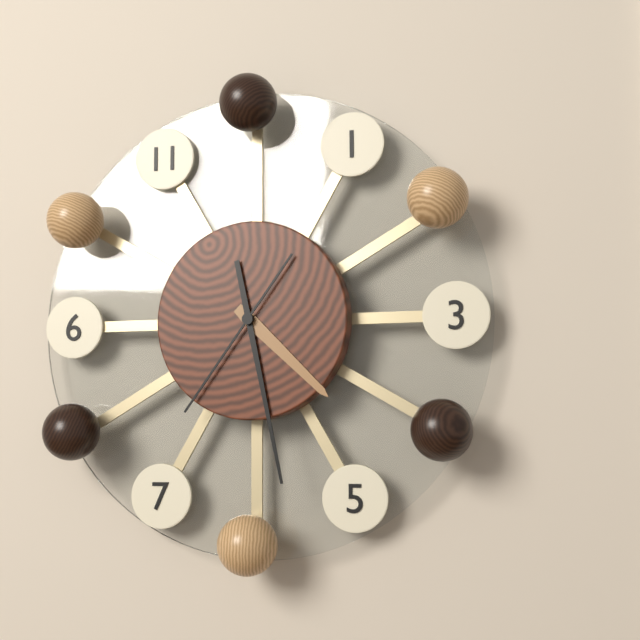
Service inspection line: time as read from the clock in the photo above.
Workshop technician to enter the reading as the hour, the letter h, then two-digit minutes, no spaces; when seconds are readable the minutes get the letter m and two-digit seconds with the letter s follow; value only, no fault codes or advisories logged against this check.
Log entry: 4h28m36s
